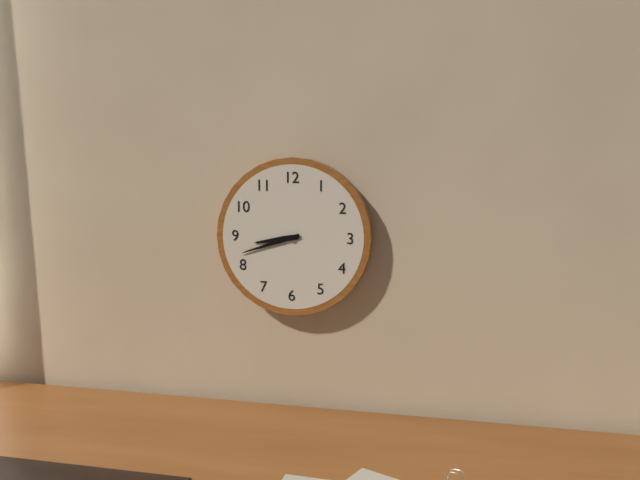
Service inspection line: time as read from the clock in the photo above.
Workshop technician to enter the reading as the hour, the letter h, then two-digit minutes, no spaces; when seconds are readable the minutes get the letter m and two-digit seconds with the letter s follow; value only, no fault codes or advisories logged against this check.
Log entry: 8h42
